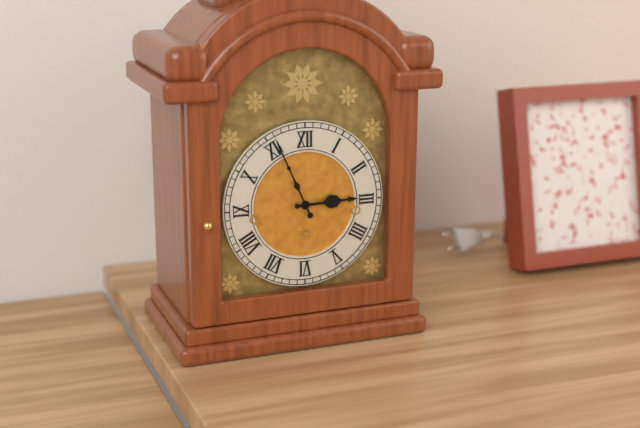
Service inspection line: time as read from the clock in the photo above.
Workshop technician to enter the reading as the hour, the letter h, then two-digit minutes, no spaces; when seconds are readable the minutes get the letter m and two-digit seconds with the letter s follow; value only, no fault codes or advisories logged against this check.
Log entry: 2h56
